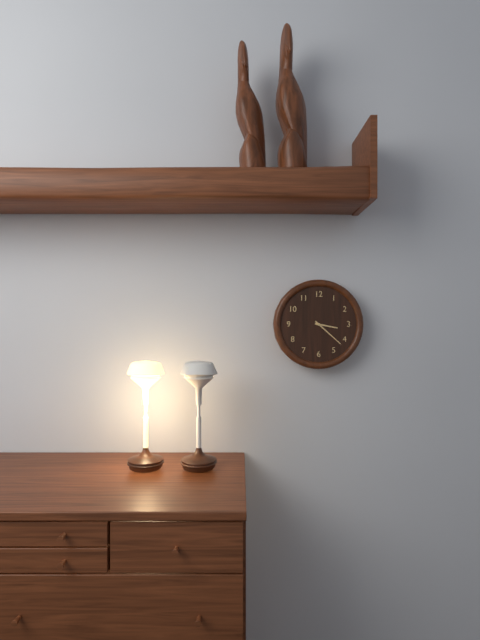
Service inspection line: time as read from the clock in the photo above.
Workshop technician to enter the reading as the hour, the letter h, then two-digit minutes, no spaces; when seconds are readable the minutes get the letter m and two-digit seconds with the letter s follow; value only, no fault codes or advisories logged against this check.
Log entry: 3h22
